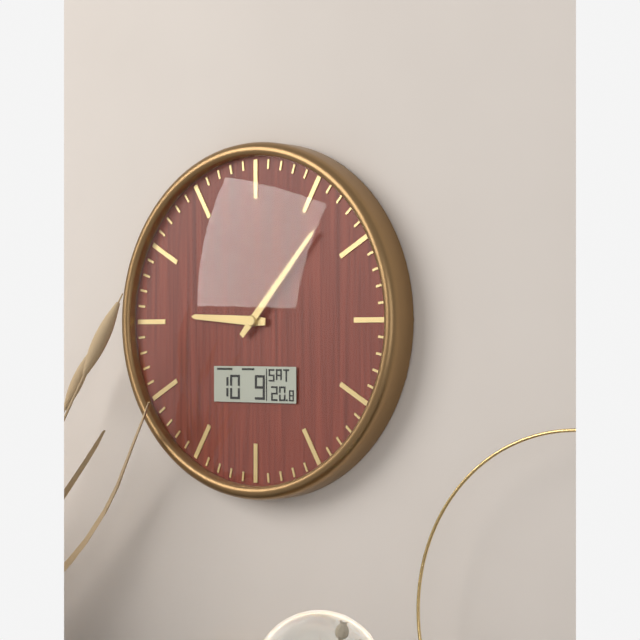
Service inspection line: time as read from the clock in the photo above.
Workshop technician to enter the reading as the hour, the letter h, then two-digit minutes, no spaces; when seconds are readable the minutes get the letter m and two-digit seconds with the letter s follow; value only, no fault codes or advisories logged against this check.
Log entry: 9h07
